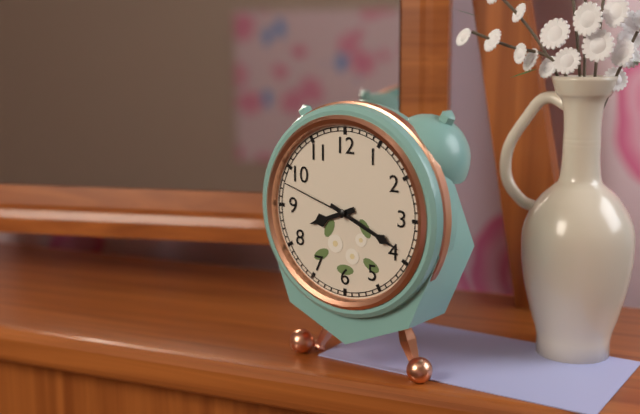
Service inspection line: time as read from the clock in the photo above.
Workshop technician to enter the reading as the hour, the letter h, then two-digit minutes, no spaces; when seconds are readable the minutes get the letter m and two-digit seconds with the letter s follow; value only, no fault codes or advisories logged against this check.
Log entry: 8h19m48s
